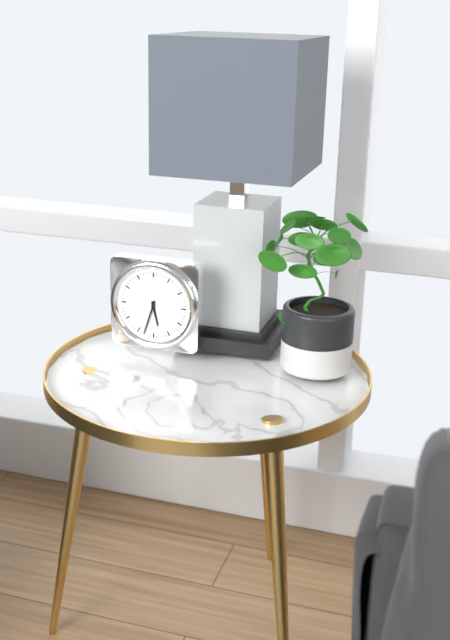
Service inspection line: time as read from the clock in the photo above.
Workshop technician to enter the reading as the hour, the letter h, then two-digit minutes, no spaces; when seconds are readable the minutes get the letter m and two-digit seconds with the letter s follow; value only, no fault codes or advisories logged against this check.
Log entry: 5h33
